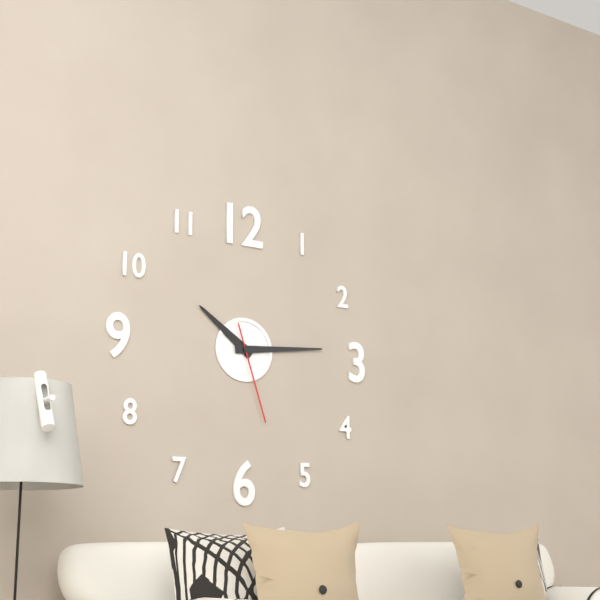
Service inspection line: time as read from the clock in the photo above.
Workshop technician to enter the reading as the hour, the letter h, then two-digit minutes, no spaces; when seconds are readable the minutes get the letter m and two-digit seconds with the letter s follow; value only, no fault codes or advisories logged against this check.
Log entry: 10h14m27s
